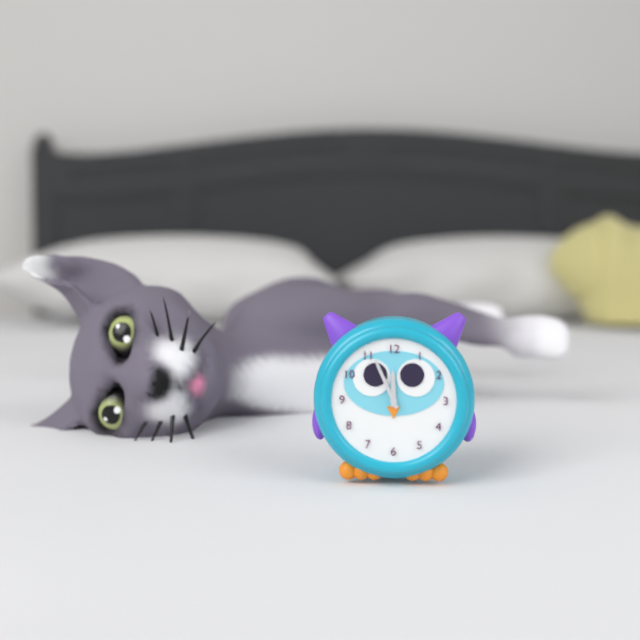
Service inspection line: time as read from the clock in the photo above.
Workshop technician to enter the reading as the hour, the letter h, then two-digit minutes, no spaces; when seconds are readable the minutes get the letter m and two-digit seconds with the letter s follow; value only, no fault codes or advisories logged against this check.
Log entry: 11h56
